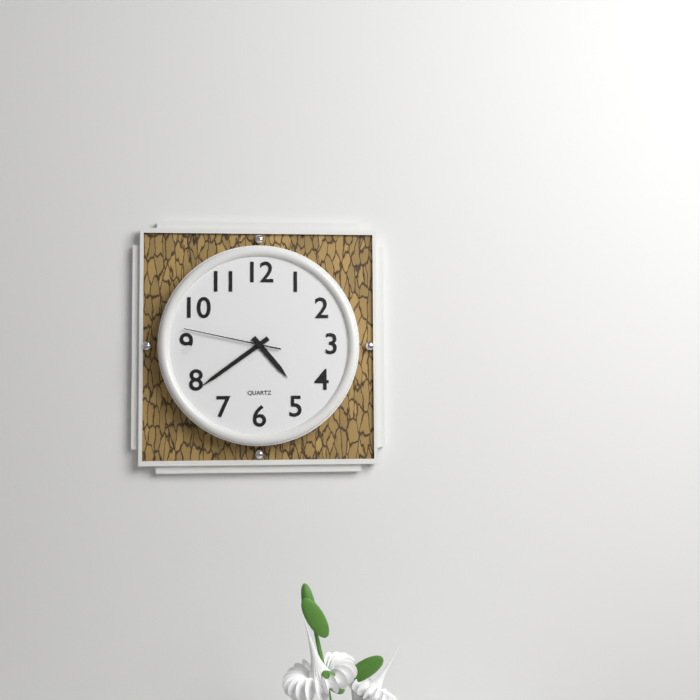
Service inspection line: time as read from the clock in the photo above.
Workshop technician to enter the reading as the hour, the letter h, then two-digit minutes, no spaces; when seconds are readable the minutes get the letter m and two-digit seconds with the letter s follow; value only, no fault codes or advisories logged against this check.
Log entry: 4h39m47s
